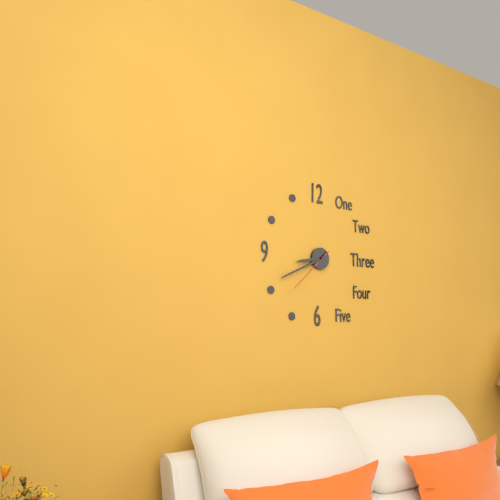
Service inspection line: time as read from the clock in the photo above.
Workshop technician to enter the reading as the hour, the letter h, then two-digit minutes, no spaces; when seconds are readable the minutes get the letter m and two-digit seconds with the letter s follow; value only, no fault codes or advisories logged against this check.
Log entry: 8h41
